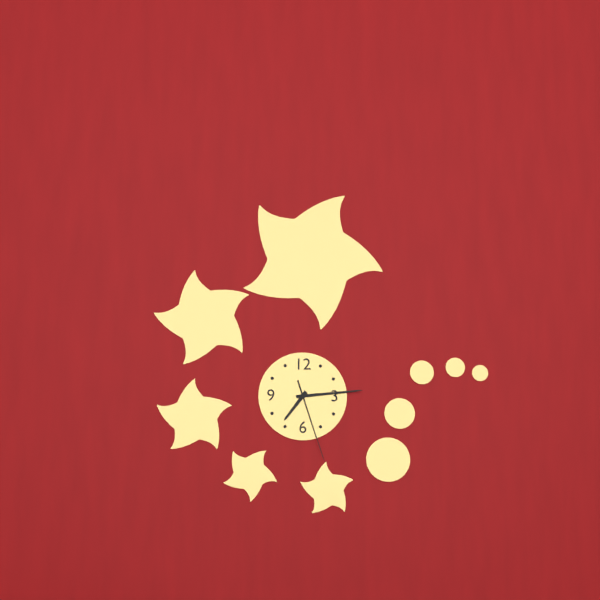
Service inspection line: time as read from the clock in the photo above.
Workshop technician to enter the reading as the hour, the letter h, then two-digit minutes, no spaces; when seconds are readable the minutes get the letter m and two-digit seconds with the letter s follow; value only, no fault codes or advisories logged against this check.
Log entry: 7h14m27s
